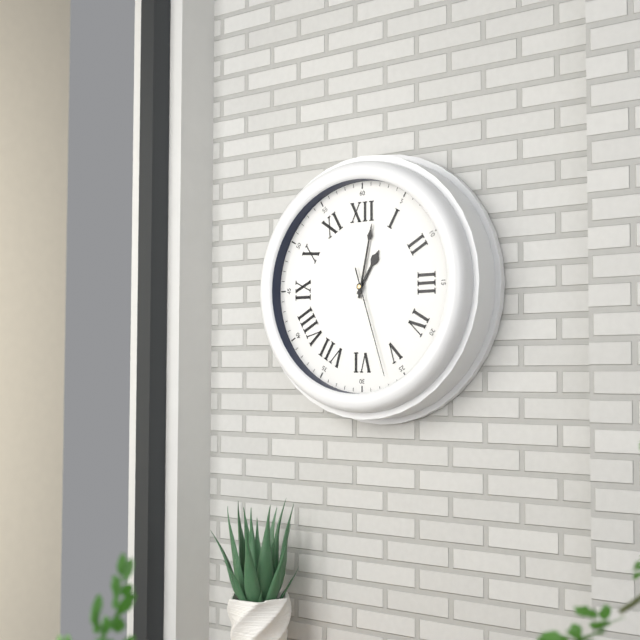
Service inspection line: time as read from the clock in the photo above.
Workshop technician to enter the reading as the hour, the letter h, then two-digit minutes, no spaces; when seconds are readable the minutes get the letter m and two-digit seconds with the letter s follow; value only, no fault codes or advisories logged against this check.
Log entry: 1h02m27s
